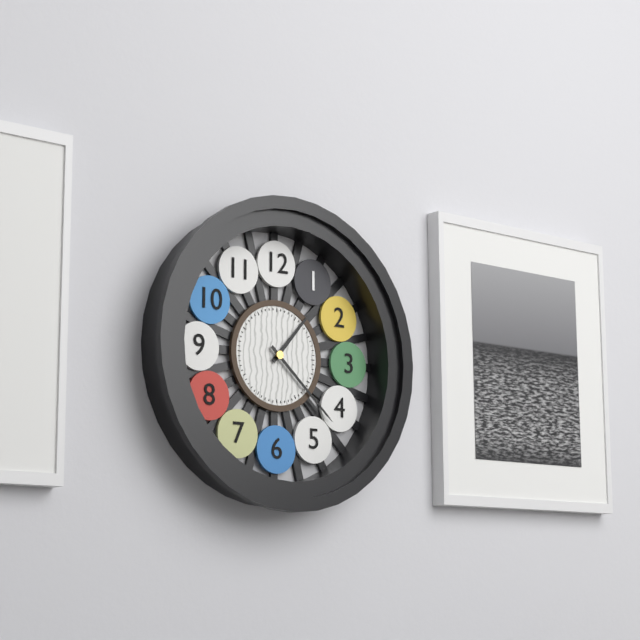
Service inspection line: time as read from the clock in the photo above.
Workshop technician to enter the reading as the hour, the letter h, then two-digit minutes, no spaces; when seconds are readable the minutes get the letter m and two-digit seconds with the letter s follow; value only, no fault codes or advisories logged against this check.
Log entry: 1h22
